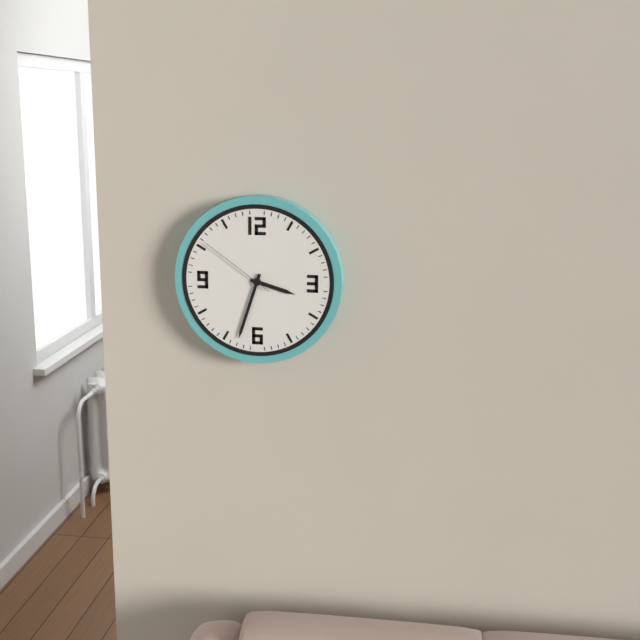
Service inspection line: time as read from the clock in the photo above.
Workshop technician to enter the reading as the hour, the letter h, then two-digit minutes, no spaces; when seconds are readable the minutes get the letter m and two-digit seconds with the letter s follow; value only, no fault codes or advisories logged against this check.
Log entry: 3h33m51s
